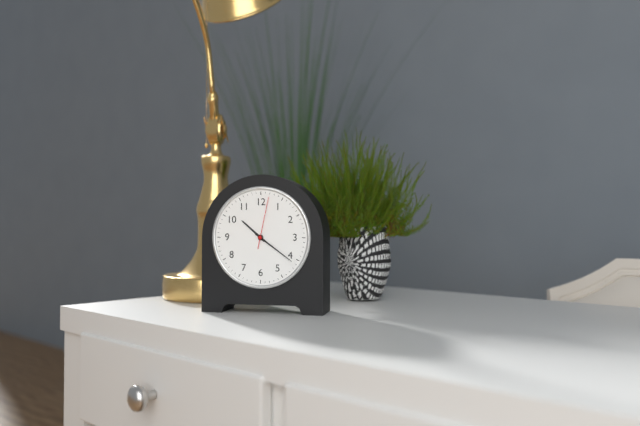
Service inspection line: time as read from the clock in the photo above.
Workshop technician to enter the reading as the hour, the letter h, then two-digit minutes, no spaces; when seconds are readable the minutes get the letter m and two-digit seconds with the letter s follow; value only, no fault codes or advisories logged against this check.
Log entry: 10h21m02s
